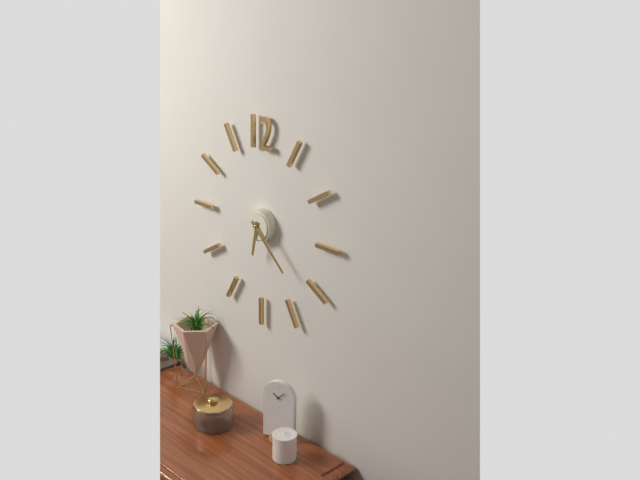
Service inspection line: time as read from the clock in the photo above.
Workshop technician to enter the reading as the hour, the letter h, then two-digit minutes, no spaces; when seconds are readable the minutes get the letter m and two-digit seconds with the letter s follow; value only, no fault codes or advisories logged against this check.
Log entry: 6h22
